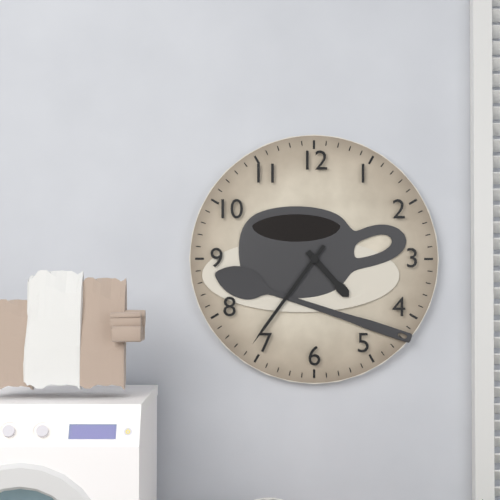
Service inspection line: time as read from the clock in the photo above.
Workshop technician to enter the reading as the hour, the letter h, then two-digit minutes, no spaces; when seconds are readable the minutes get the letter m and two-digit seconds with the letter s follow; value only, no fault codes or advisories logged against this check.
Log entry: 4h36
